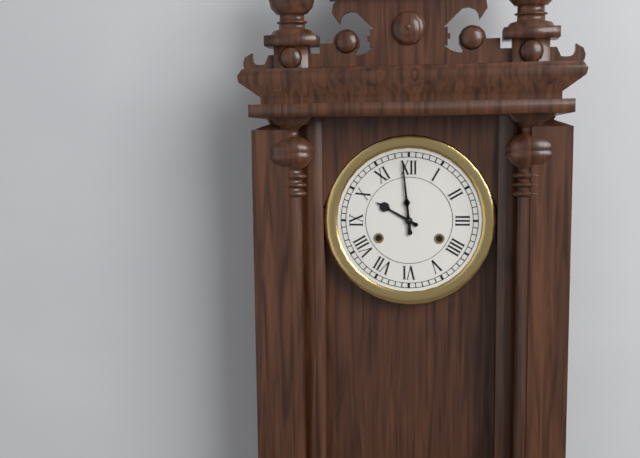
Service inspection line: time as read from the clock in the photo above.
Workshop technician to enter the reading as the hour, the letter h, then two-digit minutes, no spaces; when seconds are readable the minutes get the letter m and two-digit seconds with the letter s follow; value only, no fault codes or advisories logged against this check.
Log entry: 9h59
